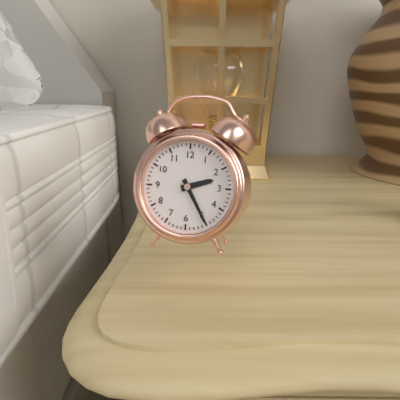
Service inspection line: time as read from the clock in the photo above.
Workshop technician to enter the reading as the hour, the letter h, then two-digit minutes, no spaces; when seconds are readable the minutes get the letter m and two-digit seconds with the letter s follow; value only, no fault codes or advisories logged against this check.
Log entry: 2h25
